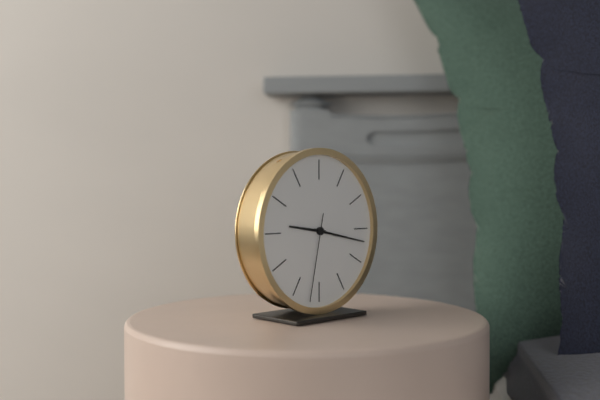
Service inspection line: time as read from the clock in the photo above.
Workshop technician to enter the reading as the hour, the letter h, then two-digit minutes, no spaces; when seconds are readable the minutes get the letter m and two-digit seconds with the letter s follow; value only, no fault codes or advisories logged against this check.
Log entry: 9h17m32s
